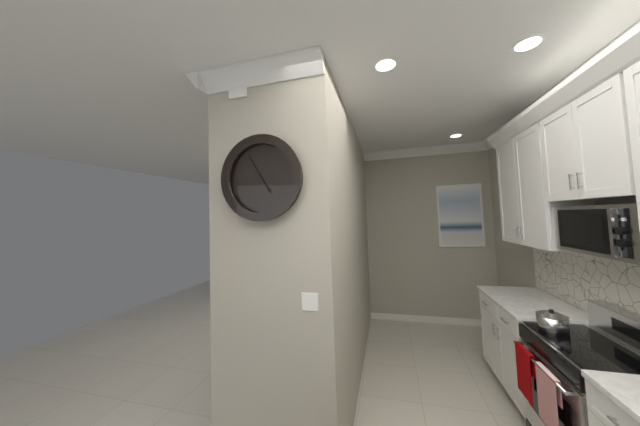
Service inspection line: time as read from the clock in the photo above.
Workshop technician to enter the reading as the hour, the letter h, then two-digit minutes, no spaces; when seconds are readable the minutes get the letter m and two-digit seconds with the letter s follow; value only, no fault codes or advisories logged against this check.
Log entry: 4h55
